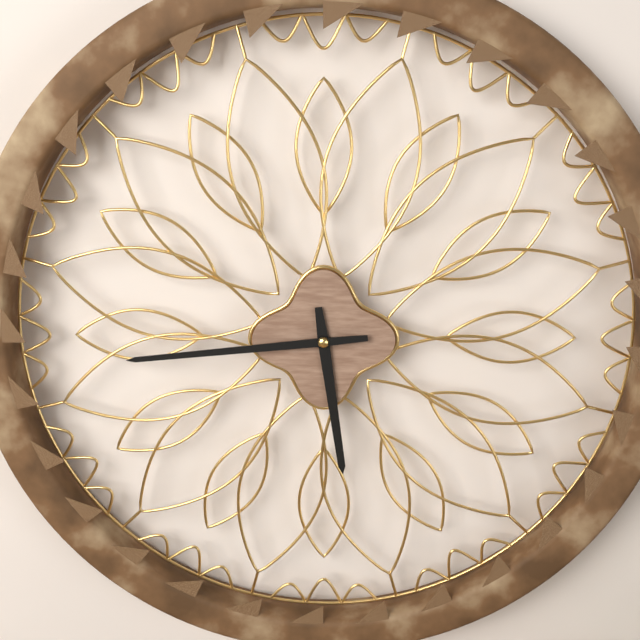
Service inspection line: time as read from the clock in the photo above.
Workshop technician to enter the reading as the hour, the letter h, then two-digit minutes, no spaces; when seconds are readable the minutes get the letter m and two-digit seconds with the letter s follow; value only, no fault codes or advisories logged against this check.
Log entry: 5h44
